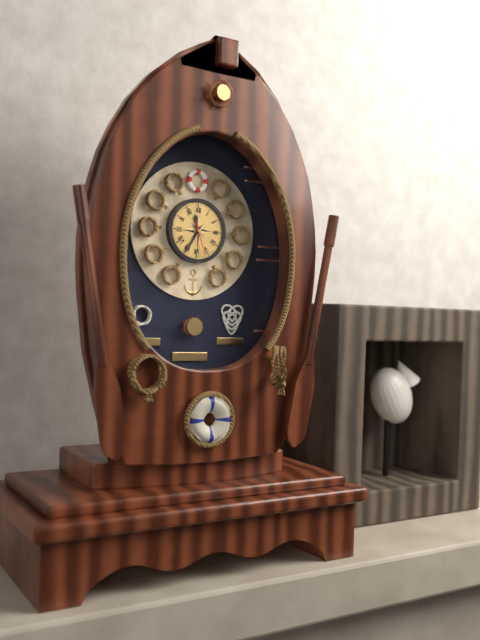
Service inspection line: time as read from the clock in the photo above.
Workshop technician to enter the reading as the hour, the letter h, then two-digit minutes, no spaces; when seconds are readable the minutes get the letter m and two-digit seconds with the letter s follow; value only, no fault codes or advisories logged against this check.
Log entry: 11h35
